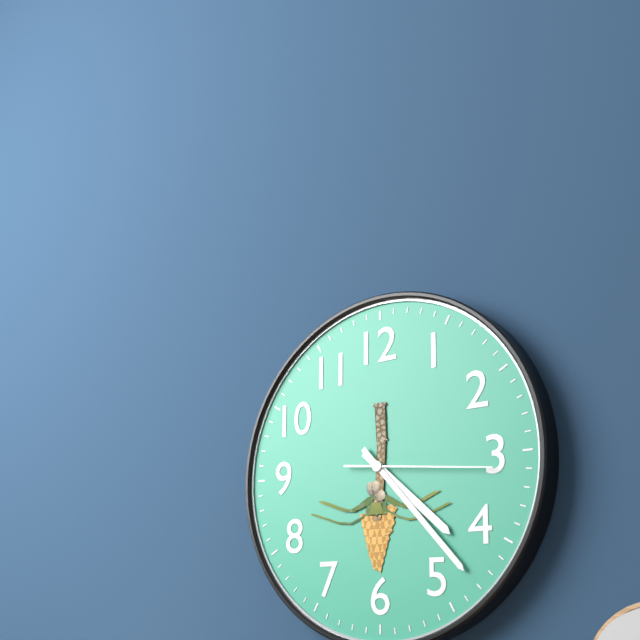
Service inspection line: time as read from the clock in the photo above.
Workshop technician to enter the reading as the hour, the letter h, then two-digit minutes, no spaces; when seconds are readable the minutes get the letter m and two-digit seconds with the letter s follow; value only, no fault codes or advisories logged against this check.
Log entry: 4h23m16s
